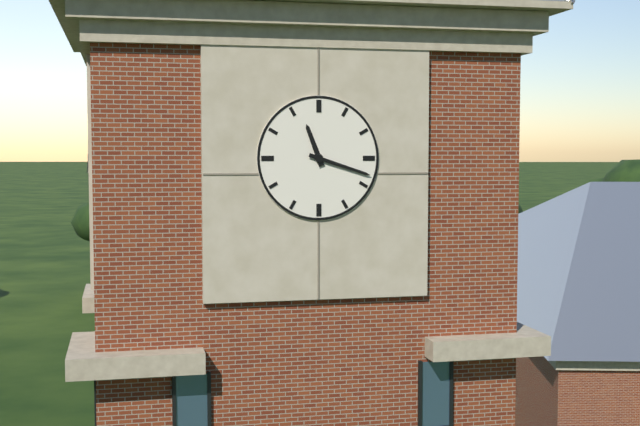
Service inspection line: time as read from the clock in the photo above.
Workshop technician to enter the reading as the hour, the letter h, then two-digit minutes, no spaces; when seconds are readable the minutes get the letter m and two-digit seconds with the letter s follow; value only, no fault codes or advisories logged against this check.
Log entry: 11h18
